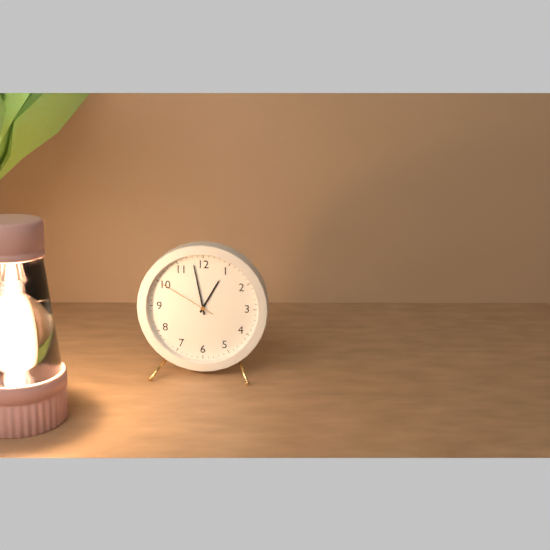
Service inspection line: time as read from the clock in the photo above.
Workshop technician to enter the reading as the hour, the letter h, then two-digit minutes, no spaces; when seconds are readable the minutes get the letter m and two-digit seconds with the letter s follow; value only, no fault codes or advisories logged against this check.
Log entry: 12h58m50s
